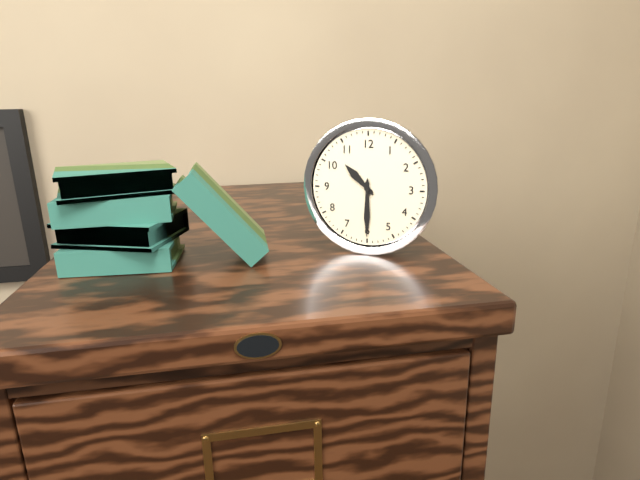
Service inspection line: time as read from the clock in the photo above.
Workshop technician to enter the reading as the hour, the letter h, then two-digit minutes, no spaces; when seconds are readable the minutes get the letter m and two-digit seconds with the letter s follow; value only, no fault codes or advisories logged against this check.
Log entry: 10h30
